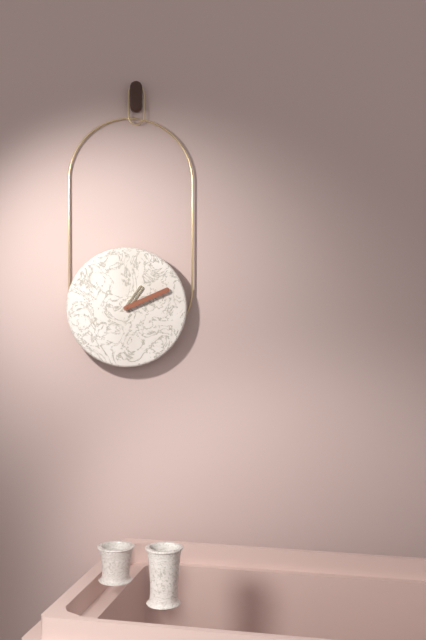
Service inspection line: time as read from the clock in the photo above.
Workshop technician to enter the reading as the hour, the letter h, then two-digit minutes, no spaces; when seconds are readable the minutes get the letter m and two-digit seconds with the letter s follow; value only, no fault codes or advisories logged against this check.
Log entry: 1h11
